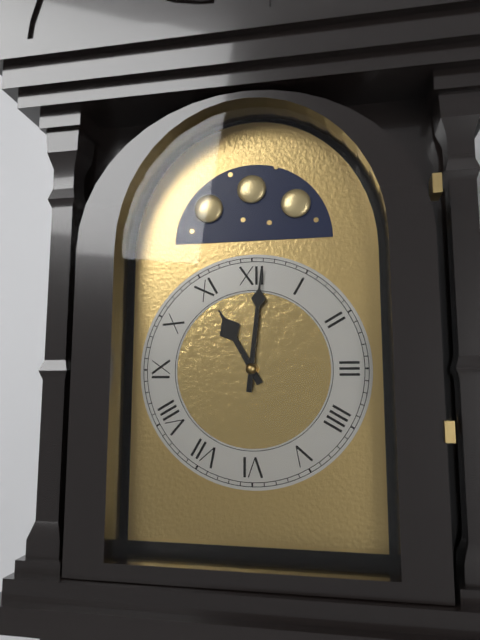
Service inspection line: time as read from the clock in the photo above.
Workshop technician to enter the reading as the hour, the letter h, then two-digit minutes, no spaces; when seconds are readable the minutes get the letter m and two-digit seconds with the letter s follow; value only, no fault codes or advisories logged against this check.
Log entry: 11h01
